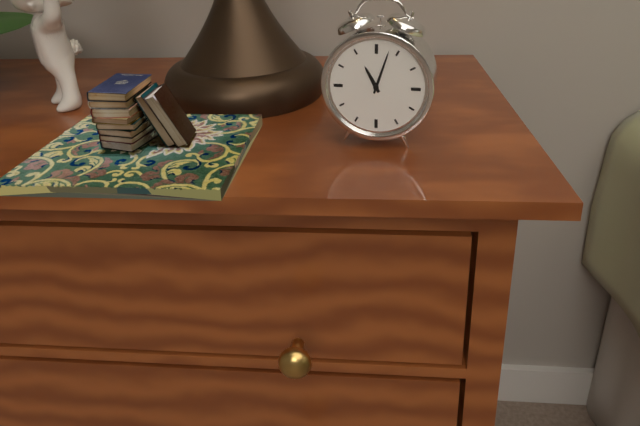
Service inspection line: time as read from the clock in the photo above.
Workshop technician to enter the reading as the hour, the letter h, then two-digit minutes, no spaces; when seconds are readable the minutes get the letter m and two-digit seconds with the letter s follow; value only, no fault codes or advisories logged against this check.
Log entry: 11h03
